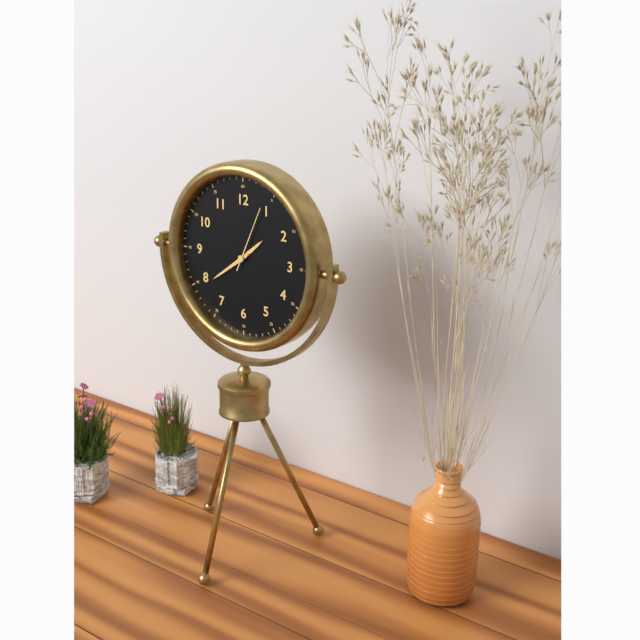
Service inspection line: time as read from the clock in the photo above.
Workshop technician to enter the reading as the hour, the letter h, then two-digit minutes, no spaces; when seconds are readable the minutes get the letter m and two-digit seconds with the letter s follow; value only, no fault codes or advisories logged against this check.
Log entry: 1h39m04s
